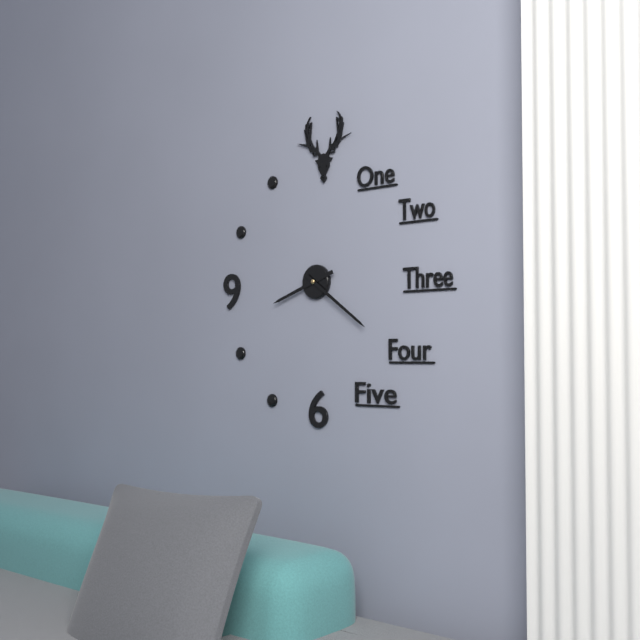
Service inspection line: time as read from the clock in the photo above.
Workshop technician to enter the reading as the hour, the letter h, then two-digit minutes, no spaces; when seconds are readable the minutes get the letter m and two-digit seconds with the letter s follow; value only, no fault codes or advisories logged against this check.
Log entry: 8h21
